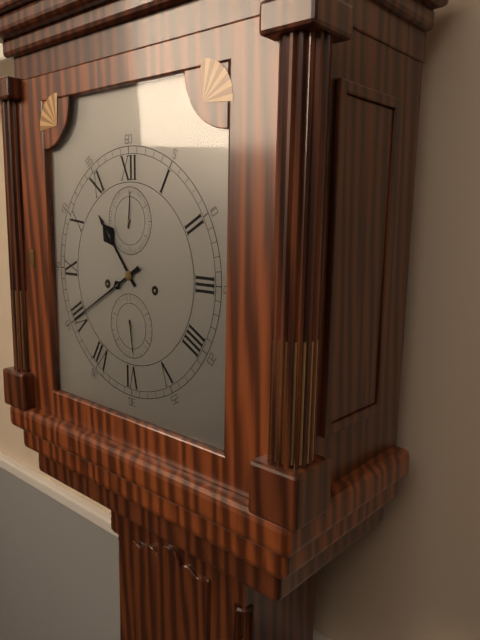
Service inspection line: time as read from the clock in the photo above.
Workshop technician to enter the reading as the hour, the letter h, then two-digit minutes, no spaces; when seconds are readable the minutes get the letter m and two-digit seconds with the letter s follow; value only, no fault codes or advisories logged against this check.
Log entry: 10h40
